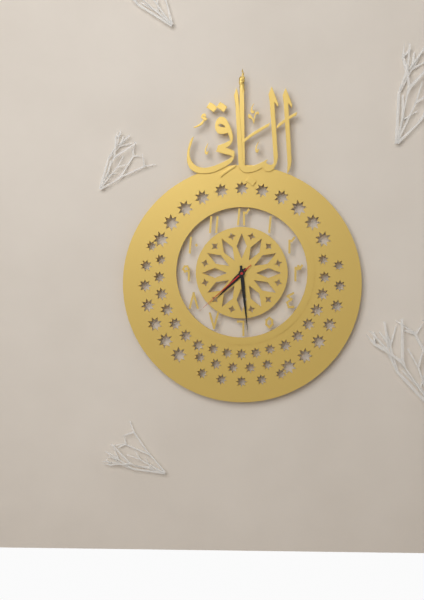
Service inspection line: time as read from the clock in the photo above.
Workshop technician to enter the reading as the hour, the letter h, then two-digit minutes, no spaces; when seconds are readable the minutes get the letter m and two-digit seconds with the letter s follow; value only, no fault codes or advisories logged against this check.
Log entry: 7h29m38s
